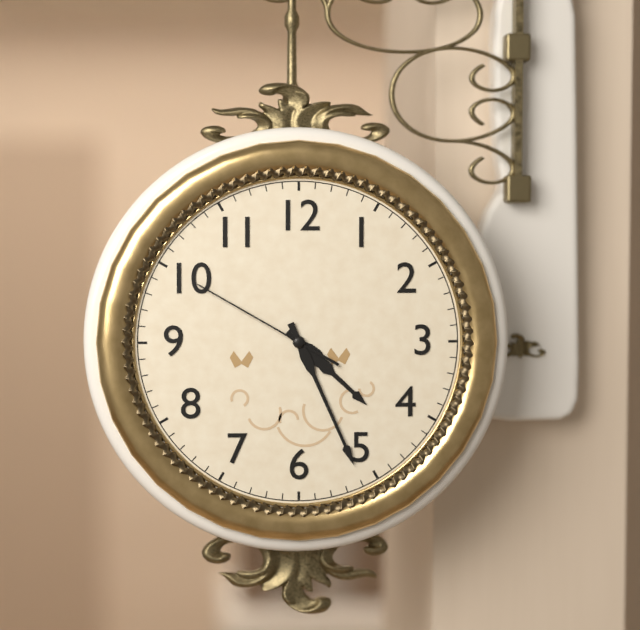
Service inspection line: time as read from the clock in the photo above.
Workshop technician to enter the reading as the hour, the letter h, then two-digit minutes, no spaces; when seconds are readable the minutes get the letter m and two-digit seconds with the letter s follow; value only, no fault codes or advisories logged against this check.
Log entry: 4h26m50s
